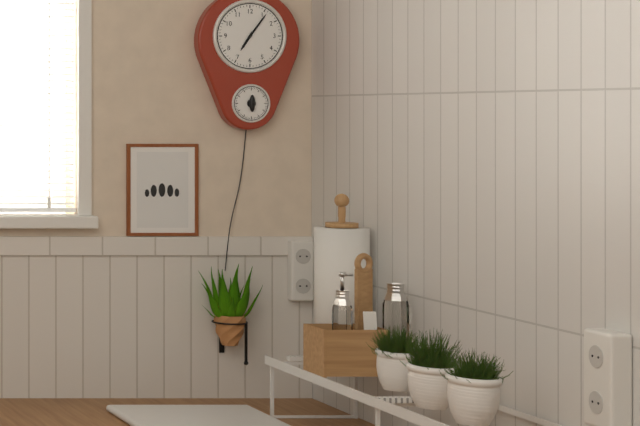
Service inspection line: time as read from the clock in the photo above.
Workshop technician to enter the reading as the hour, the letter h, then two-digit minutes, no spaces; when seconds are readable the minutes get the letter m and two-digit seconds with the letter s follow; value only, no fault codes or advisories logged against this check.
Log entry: 7h06
